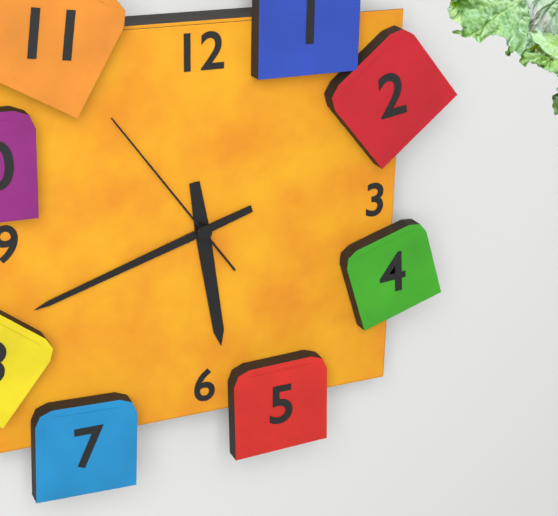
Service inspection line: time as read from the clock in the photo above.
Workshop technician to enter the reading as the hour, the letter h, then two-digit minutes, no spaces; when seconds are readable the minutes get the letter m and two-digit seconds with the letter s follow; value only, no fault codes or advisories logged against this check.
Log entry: 5h42m54s
